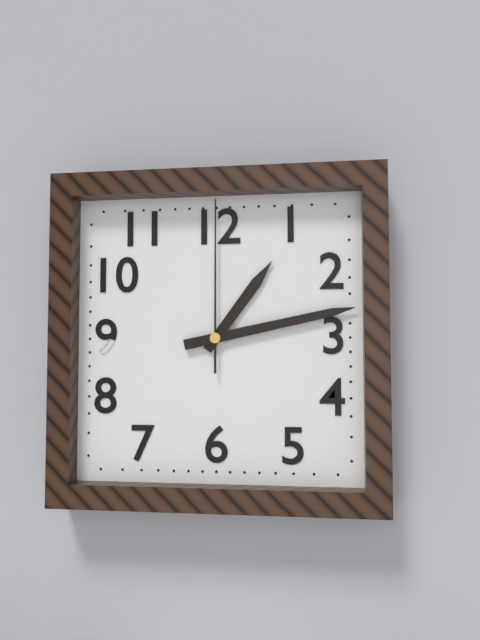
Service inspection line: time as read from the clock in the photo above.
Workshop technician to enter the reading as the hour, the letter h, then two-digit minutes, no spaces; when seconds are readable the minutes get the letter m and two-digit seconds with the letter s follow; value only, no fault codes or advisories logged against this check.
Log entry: 1h13m00s
